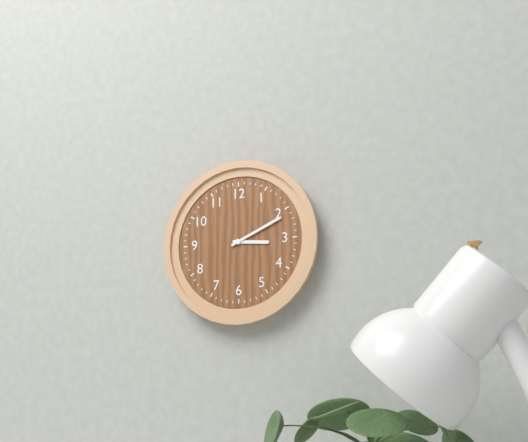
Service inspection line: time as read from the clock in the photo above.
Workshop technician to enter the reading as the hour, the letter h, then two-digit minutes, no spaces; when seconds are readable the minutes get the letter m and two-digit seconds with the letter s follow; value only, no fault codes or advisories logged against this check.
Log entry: 3h11
